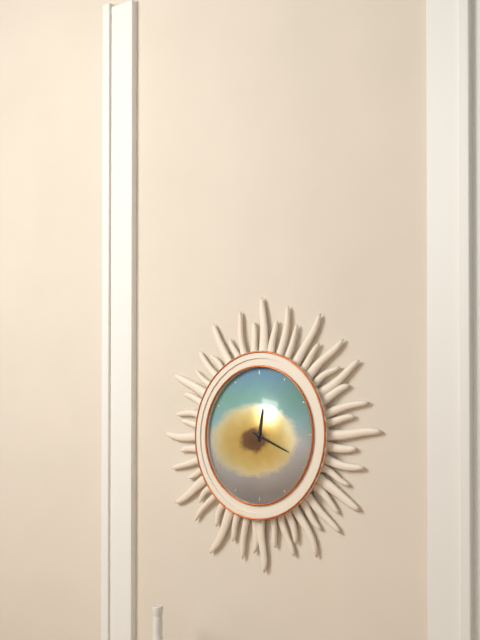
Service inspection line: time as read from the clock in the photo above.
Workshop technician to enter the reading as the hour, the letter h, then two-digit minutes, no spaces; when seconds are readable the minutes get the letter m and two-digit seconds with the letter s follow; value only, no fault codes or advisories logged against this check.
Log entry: 12h19
